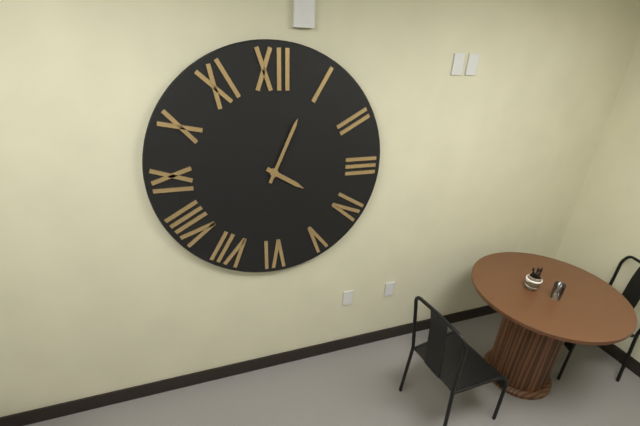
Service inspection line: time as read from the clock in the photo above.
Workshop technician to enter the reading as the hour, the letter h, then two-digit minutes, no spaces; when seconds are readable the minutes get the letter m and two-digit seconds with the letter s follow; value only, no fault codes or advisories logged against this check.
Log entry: 4h04
